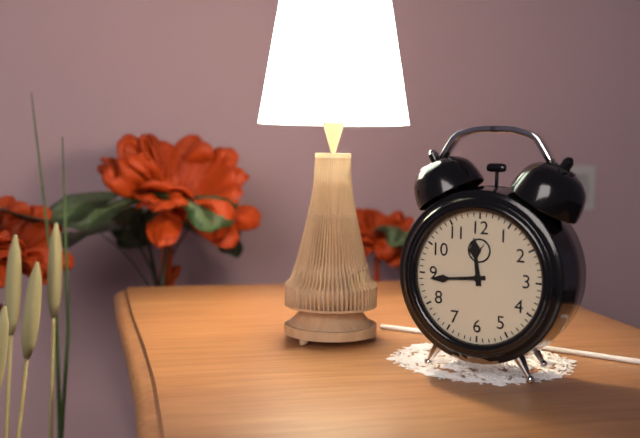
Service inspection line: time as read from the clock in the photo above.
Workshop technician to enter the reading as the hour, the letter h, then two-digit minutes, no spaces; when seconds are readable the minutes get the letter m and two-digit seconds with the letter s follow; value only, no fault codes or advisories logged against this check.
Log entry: 11h44
